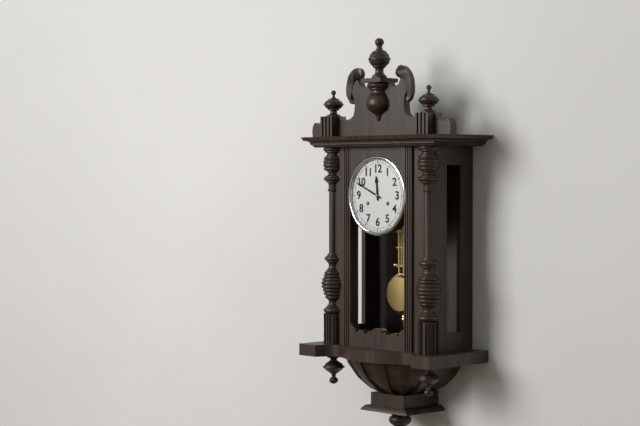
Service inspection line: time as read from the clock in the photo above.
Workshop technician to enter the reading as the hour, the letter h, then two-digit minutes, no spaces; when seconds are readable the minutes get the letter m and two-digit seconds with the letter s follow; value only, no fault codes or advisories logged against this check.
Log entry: 11h49
